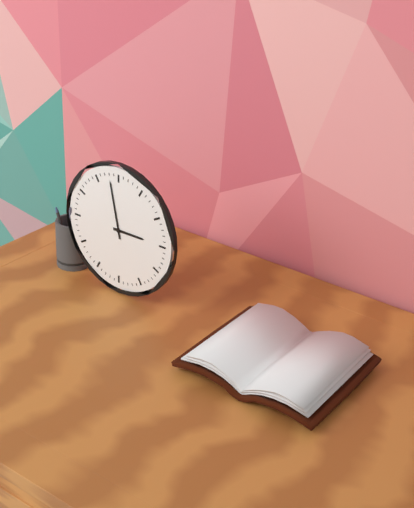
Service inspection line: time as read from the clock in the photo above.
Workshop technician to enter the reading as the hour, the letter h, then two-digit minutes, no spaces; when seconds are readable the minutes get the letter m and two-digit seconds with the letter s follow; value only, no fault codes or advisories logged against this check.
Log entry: 2h58
